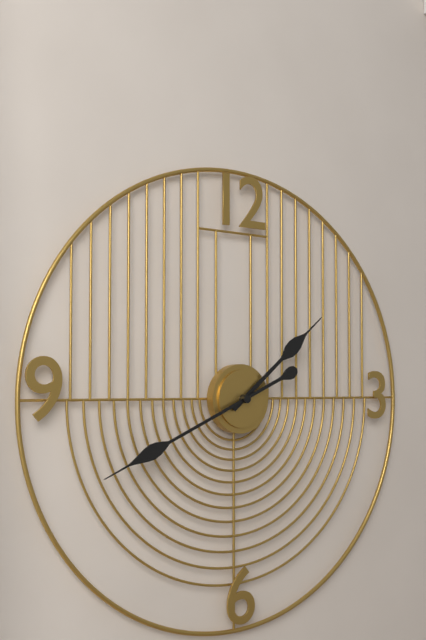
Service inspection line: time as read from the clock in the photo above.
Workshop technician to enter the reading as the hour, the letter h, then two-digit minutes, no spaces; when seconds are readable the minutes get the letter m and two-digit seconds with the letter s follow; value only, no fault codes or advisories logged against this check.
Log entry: 1h41
